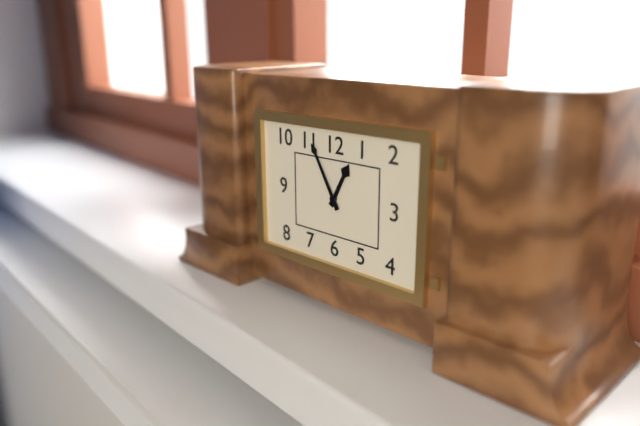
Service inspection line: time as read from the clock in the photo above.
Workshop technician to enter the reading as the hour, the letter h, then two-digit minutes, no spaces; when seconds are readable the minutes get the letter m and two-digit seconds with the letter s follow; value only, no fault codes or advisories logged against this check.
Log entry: 12h55
